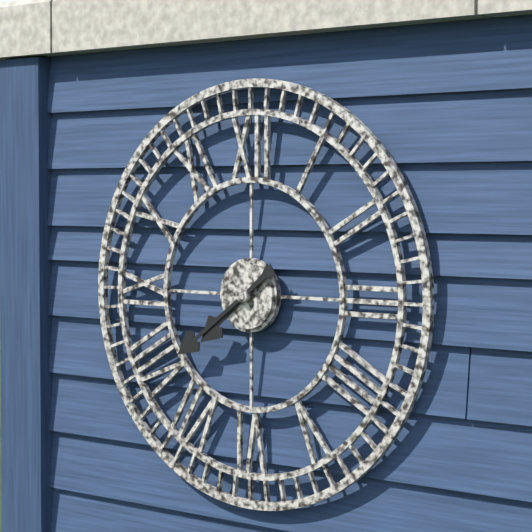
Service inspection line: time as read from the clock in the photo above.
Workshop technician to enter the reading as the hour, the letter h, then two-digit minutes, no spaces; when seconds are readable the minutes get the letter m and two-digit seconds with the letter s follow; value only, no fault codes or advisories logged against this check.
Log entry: 7h39
